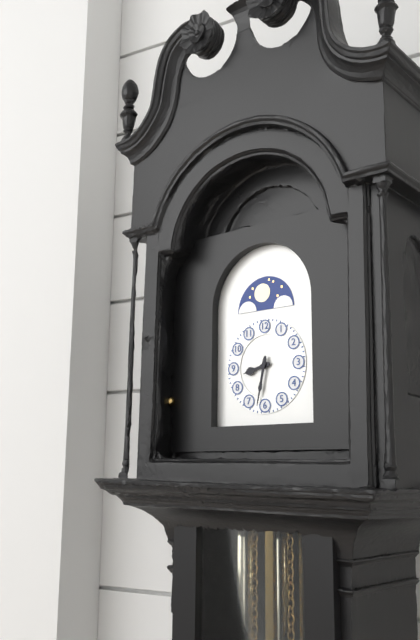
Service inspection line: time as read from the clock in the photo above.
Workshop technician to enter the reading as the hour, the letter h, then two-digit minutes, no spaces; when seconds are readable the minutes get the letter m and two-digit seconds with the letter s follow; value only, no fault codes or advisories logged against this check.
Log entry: 8h32
